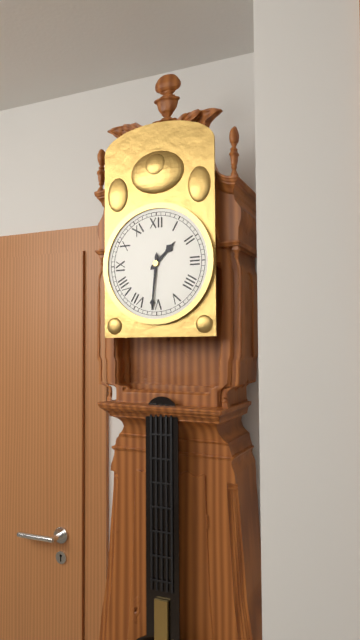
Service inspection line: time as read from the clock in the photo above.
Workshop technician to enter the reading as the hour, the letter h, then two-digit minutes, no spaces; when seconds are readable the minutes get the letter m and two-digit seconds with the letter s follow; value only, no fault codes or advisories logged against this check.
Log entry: 1h31
